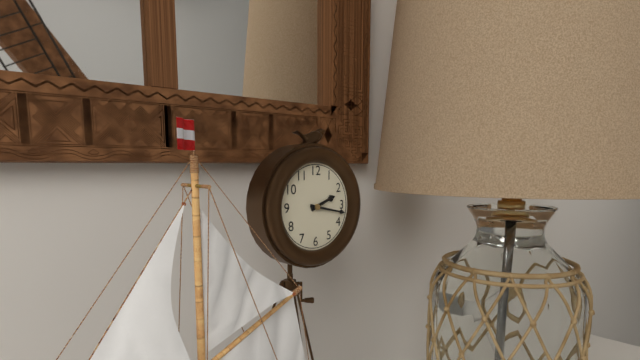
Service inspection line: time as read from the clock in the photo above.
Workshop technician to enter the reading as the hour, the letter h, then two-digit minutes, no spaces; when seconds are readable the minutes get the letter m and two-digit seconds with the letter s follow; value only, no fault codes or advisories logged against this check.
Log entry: 2h17
